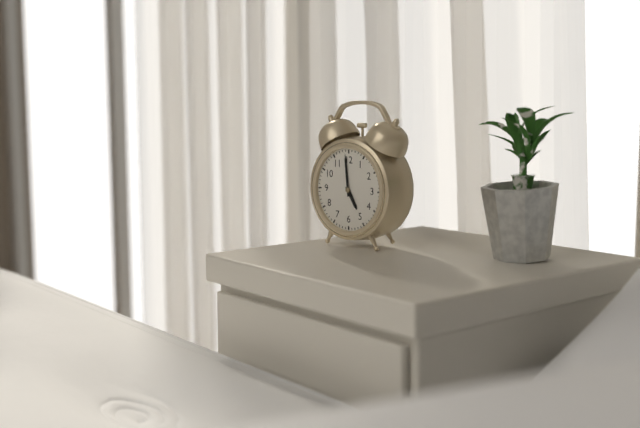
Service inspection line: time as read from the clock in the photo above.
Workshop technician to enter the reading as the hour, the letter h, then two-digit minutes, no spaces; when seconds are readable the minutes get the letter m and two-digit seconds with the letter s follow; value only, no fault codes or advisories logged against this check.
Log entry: 4h59
